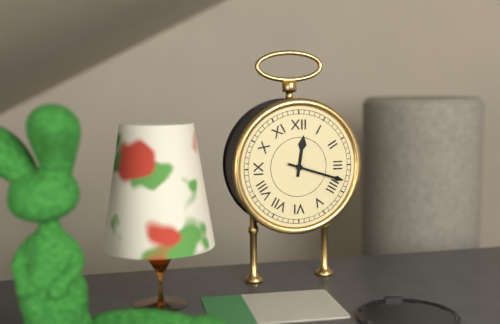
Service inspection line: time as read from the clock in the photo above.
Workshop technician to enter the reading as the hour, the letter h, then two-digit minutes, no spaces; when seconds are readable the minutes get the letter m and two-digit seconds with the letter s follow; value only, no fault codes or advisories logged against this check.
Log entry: 12h18
